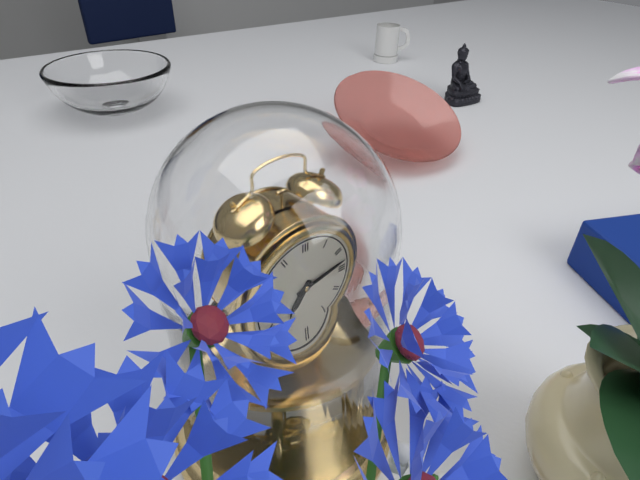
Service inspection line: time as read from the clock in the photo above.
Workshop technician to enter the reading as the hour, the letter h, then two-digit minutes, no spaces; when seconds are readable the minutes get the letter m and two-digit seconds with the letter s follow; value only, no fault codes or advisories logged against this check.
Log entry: 7h13
